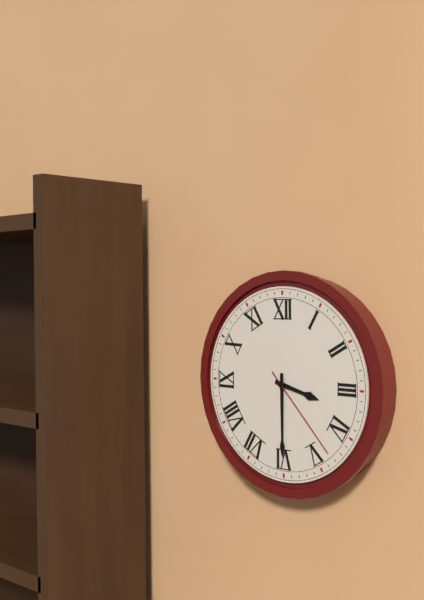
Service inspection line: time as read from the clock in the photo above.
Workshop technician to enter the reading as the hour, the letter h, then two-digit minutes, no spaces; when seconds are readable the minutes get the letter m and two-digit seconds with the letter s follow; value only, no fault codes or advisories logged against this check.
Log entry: 3h30m23s
